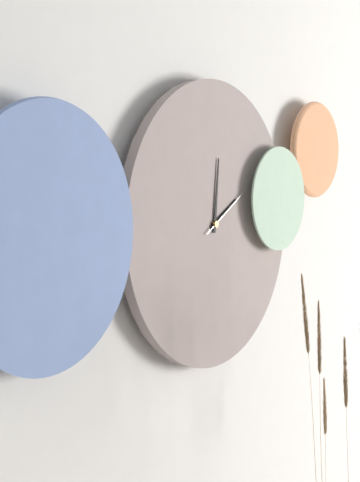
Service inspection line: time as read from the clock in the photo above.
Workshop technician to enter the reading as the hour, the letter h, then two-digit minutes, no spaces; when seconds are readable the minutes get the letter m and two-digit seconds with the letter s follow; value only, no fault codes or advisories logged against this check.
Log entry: 2h01m10s
